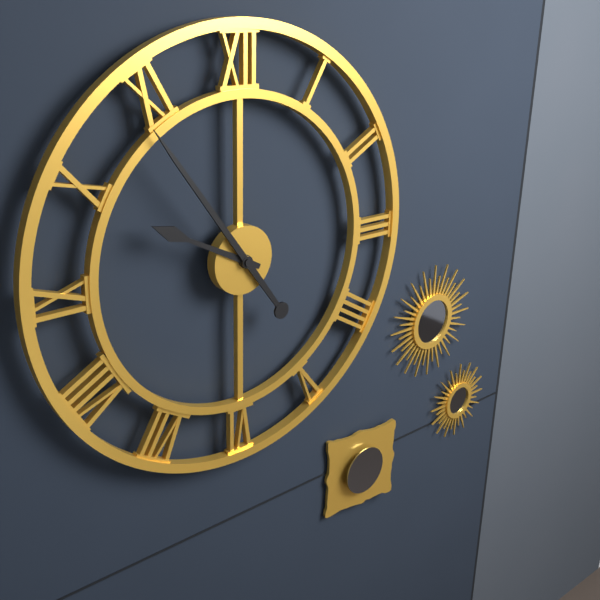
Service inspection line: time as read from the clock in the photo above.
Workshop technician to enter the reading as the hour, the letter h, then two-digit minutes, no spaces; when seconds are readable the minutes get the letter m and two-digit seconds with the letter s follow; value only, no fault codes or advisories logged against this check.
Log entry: 9h54
